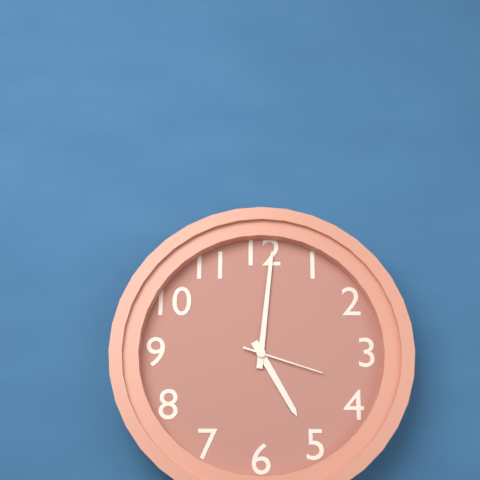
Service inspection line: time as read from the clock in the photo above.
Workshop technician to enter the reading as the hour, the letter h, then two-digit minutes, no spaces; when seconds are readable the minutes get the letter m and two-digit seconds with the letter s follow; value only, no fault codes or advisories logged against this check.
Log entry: 5h01m18s
